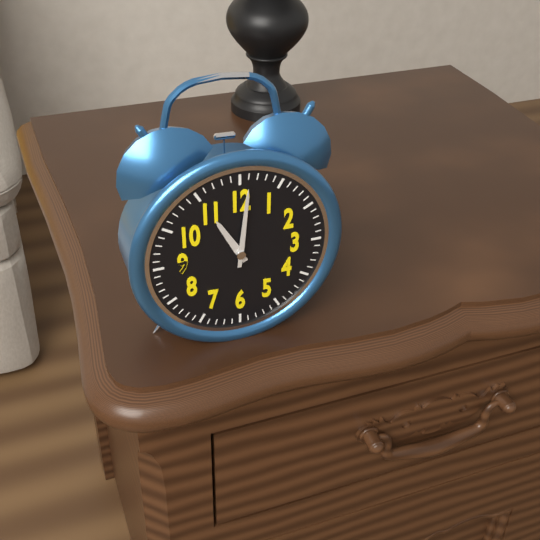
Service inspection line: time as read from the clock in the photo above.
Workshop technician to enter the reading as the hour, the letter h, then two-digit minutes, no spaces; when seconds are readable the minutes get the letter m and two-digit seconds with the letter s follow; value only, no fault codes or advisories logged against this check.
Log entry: 11h01
